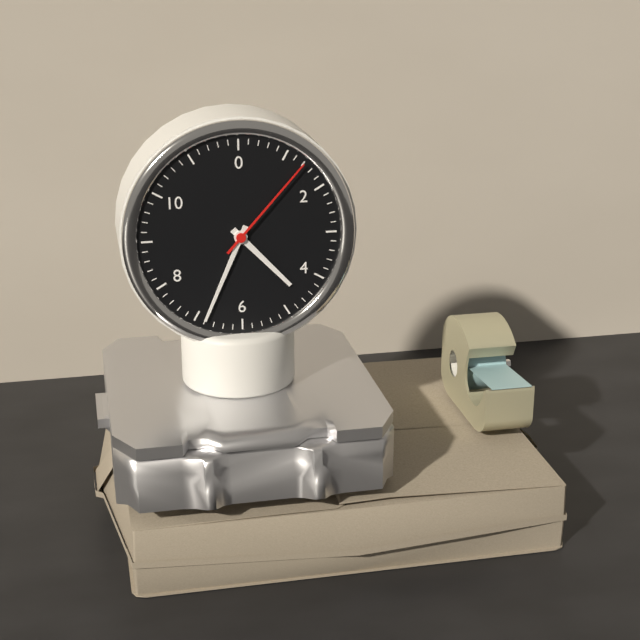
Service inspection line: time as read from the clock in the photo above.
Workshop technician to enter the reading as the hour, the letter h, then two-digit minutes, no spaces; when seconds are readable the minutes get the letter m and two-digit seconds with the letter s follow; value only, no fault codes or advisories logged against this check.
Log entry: 4h34m07s
